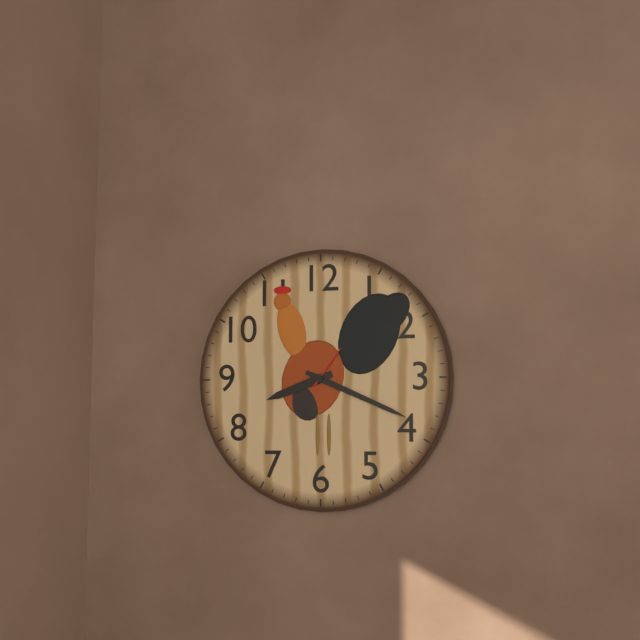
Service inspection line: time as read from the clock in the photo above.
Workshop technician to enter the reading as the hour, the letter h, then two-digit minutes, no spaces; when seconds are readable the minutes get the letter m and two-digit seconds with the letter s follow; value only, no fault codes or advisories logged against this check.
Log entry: 8h19
